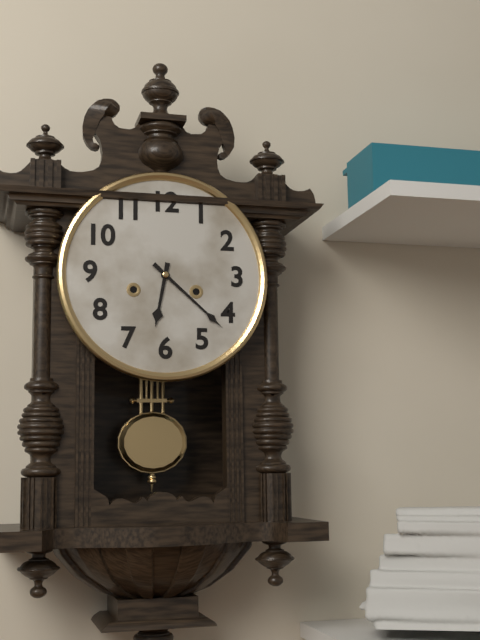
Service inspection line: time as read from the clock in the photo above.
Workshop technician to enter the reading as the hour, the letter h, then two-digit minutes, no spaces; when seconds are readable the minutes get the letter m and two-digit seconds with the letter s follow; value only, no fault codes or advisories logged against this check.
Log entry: 6h22
